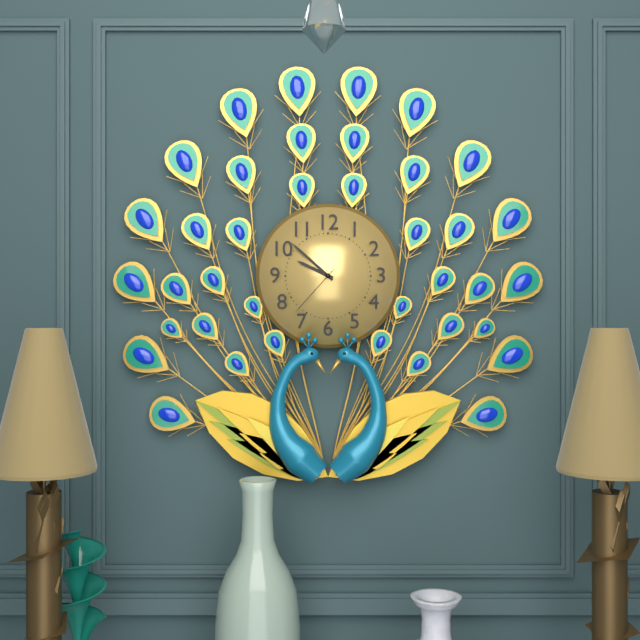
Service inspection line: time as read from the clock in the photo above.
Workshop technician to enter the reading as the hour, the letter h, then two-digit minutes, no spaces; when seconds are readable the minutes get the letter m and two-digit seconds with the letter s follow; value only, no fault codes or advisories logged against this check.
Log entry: 9h52m37s
